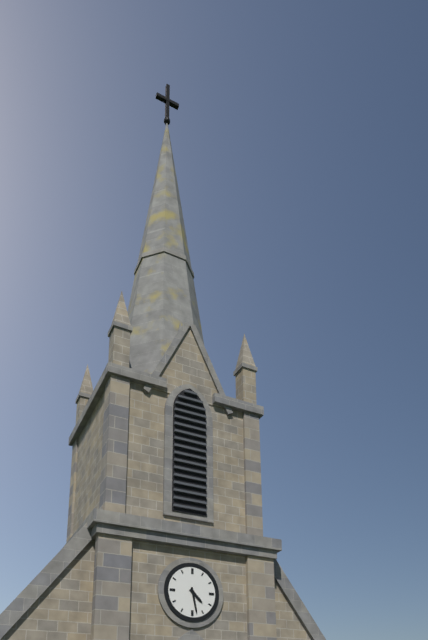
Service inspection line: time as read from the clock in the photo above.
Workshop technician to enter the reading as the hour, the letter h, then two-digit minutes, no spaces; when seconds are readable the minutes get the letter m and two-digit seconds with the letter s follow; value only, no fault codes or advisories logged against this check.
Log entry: 4h28
